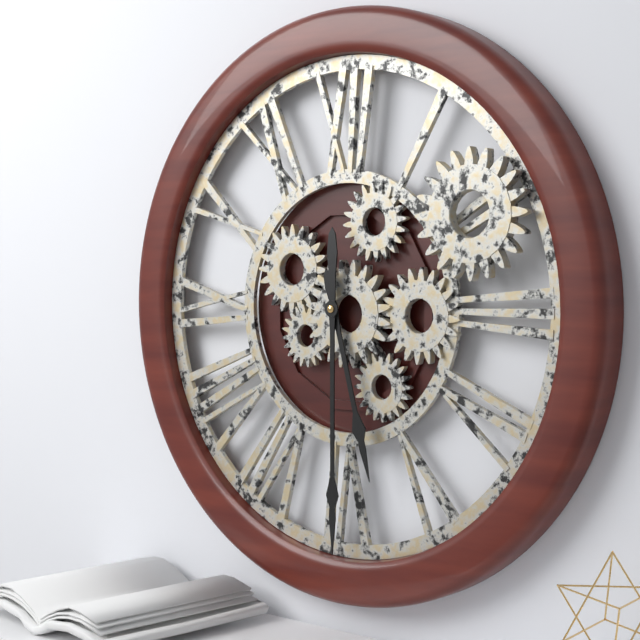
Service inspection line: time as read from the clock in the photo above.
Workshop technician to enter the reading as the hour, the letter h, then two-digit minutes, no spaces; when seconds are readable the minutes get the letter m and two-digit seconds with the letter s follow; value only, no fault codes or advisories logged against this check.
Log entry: 5h30
